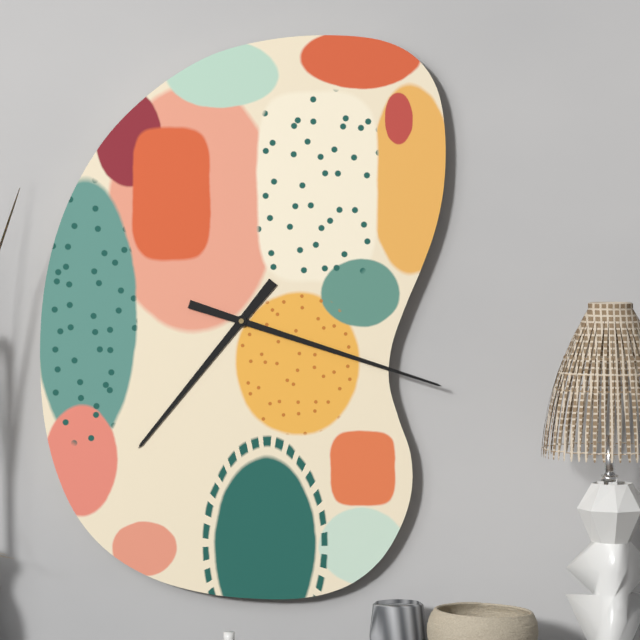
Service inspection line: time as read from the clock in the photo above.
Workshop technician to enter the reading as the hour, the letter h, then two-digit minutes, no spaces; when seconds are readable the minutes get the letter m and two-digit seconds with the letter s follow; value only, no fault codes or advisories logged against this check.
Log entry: 7h18
